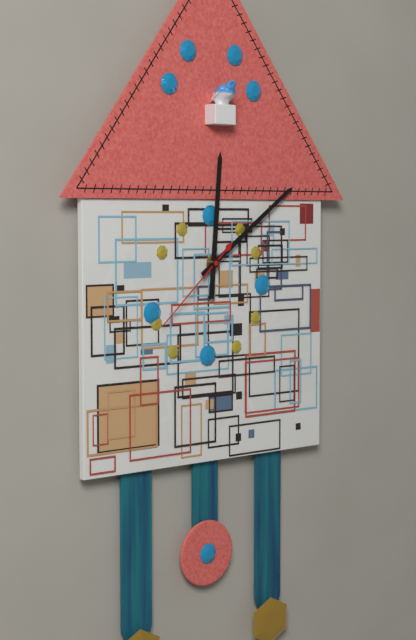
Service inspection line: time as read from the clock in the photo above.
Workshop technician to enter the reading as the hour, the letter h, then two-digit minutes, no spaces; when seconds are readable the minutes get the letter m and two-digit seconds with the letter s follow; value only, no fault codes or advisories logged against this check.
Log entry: 12h09m38s
